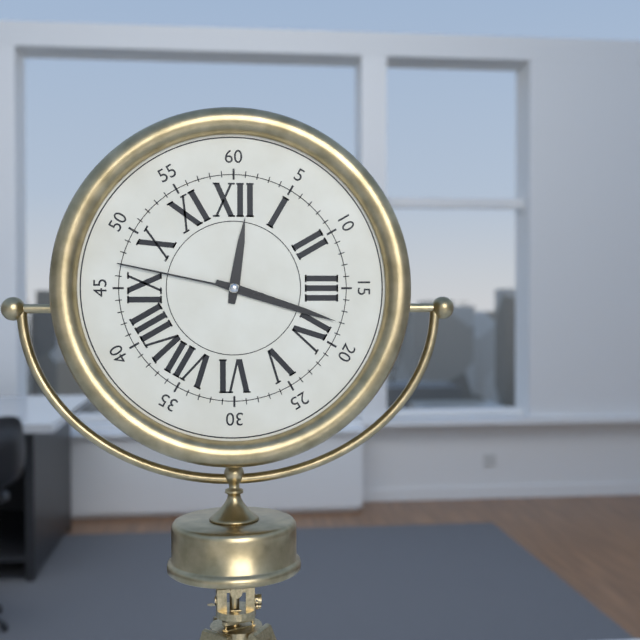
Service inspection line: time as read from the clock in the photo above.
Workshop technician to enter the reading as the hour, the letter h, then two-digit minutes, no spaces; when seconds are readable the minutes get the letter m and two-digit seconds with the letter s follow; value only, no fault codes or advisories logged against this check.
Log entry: 12h18m47s
